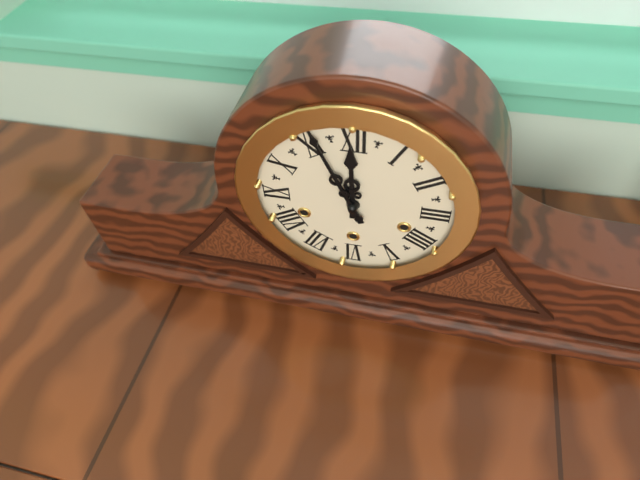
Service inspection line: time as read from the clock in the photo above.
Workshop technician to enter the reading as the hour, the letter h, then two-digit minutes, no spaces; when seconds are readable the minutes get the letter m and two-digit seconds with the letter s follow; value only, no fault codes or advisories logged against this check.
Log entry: 11h56
